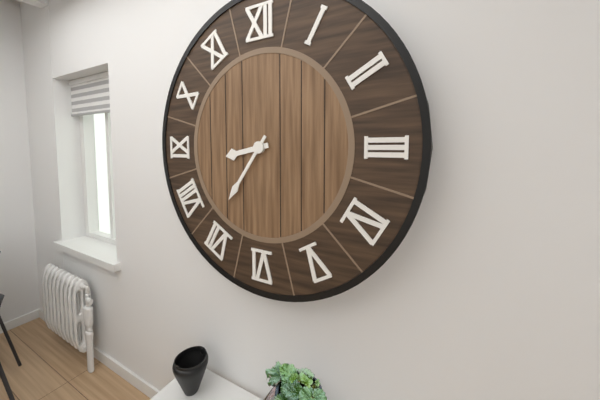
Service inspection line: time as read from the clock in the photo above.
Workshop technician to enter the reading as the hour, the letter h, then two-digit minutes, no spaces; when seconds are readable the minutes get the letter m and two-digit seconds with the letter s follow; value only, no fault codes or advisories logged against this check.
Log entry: 8h36
